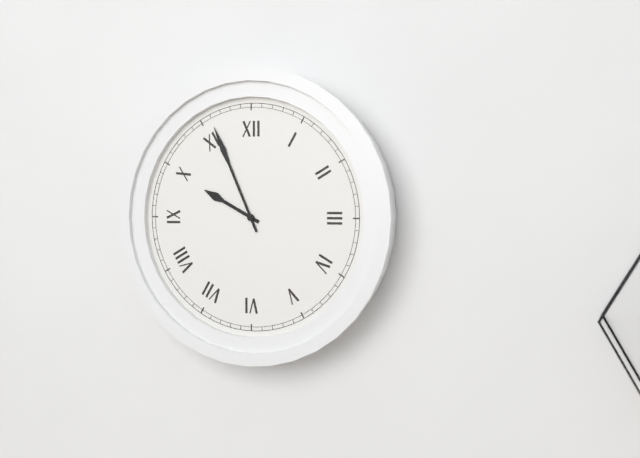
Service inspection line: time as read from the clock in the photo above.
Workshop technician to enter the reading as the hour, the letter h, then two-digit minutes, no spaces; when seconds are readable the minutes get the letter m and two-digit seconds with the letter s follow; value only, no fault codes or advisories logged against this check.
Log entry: 9h56
